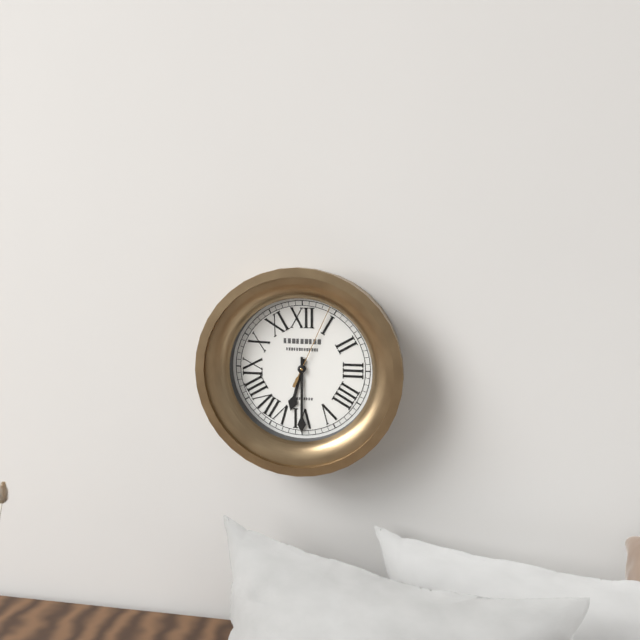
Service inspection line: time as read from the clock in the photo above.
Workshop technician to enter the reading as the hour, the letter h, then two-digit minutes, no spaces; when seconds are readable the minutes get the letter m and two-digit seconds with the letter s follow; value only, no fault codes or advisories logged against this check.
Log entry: 6h30m04s
